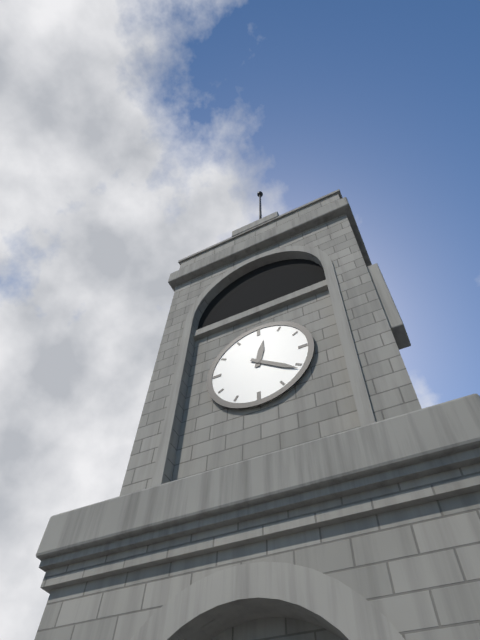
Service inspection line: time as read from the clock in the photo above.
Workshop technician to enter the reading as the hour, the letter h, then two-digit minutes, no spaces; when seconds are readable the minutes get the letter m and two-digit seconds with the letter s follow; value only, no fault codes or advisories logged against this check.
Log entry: 12h21
